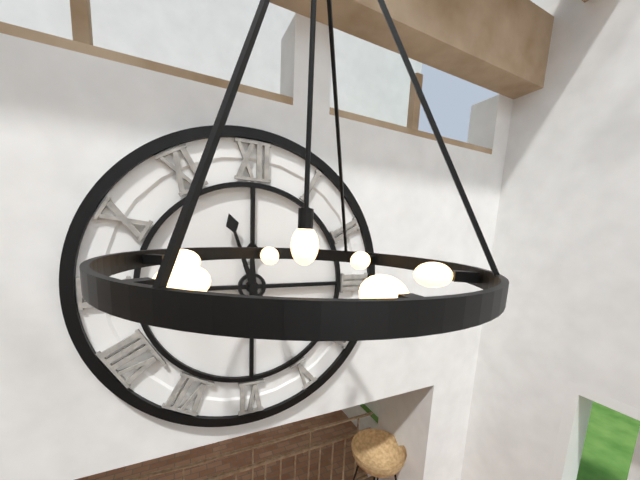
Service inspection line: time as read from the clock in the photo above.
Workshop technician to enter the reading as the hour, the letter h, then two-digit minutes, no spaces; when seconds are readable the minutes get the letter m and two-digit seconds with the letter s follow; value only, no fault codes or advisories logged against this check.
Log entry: 11h57
